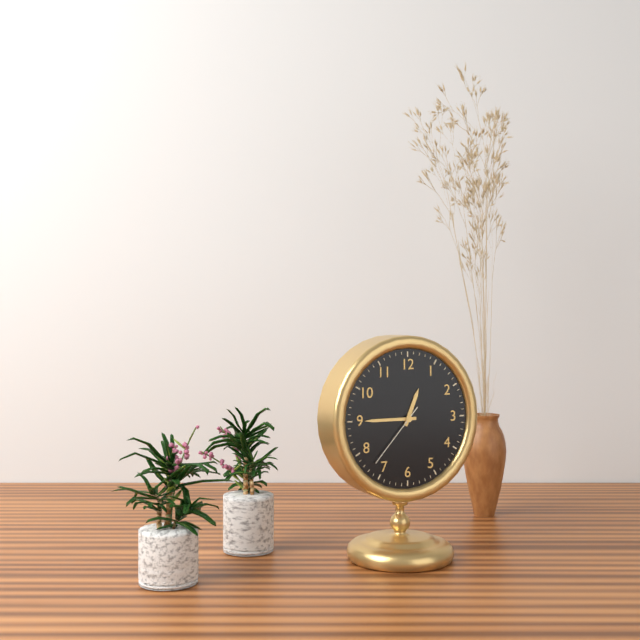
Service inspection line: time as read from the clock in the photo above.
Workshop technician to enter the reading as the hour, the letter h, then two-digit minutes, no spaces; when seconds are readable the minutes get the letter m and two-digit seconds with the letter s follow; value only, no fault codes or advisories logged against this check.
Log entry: 12h45m37s
